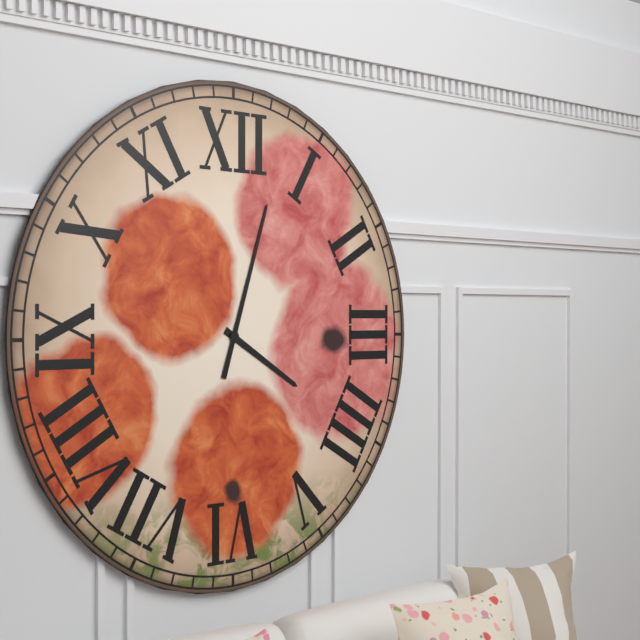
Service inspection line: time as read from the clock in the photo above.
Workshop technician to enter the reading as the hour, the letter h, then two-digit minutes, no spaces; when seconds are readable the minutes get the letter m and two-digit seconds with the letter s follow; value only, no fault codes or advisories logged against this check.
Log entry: 4h03
